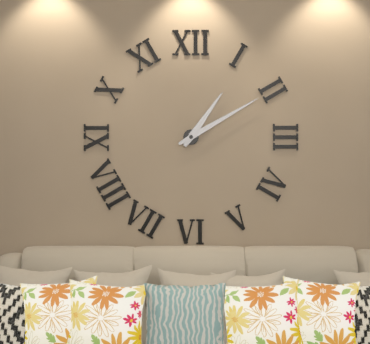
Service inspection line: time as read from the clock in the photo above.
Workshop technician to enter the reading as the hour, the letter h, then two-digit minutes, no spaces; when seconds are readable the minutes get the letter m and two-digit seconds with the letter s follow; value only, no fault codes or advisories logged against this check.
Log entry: 1h10
